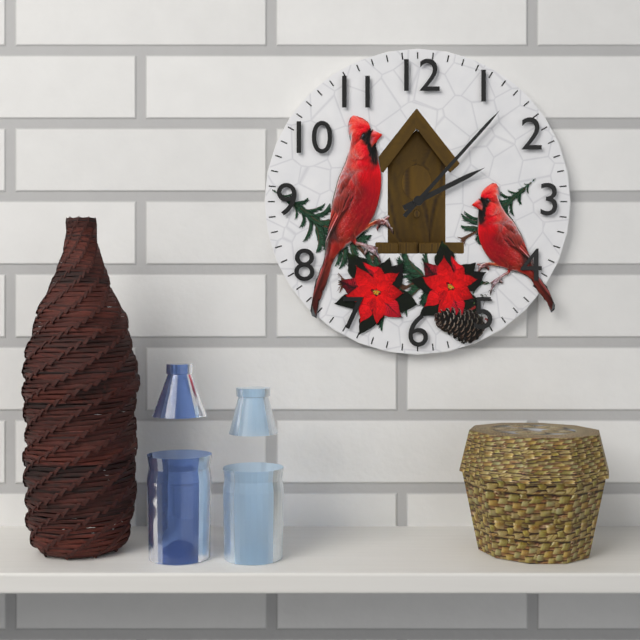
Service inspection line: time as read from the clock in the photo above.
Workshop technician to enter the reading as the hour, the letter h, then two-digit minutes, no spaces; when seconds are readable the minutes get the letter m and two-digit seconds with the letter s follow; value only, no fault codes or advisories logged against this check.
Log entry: 2h07
